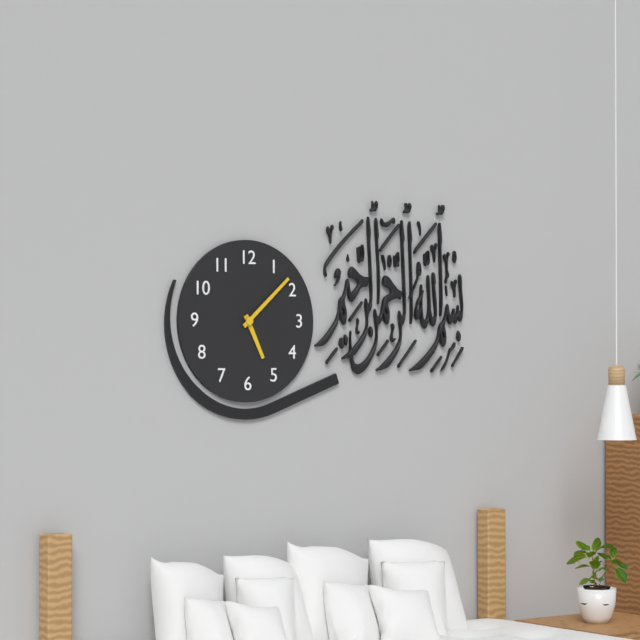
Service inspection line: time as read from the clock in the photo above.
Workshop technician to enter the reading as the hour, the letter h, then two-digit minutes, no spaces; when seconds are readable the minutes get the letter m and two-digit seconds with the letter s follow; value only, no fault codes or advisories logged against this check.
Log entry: 5h08
